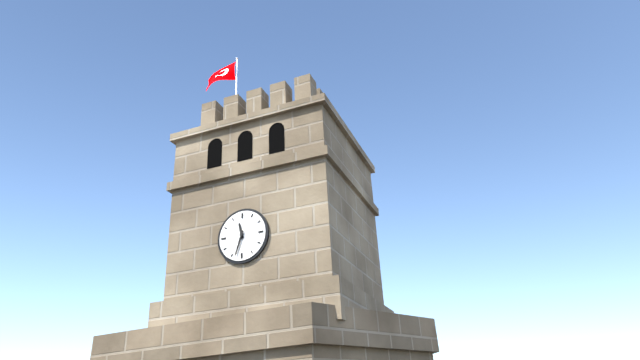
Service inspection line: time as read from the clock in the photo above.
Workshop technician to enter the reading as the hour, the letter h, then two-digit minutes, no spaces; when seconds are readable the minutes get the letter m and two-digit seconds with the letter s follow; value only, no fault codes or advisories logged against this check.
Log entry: 11h33
